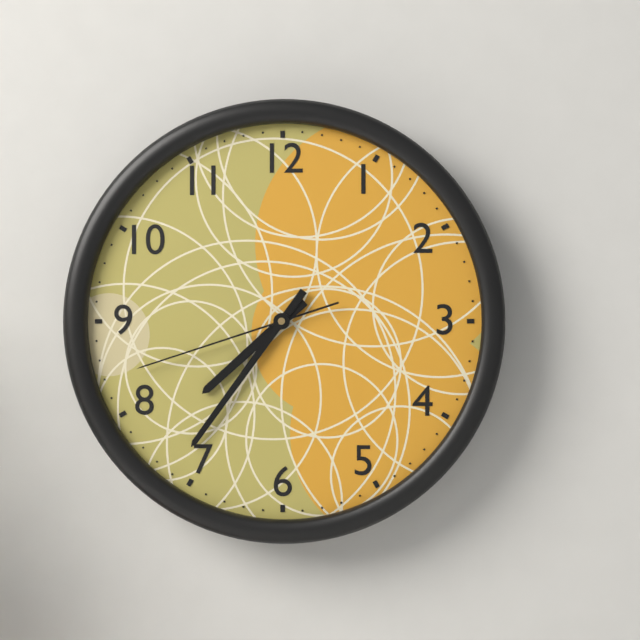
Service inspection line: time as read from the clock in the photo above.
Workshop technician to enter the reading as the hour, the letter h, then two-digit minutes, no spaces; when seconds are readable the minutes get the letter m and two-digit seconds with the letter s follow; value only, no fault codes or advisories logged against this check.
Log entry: 7h36m42s
